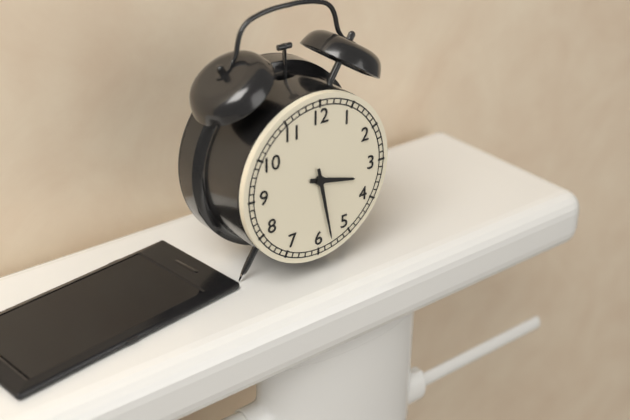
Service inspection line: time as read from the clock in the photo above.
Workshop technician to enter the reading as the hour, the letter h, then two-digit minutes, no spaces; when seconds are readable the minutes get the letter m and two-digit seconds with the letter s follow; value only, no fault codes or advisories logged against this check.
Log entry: 3h28
